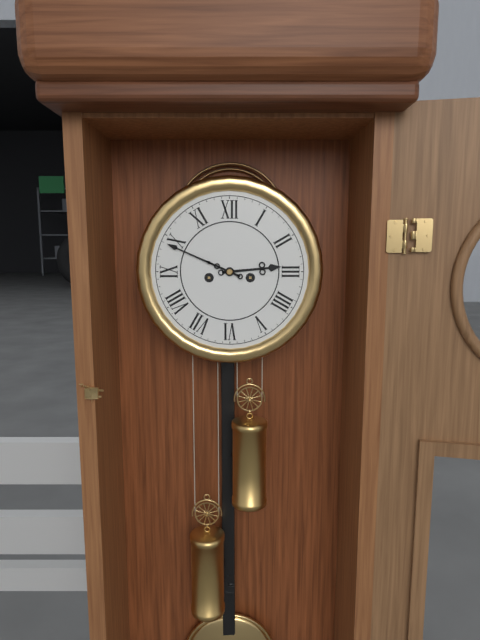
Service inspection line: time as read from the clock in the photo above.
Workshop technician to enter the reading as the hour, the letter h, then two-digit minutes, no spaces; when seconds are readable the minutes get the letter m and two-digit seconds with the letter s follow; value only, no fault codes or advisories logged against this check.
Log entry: 2h49
